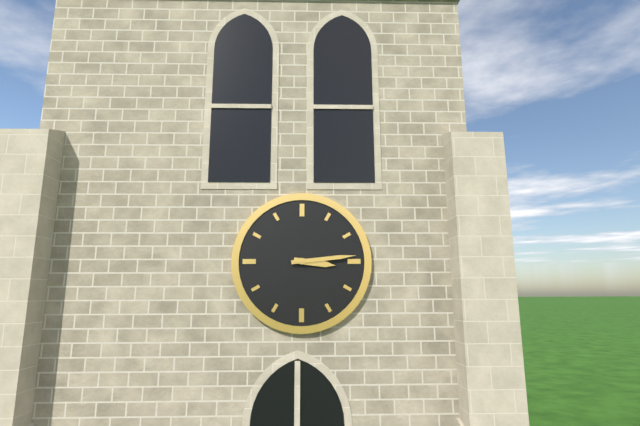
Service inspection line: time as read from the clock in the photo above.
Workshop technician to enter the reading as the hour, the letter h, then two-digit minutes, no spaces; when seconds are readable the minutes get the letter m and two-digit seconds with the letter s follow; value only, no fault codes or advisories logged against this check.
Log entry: 3h14
